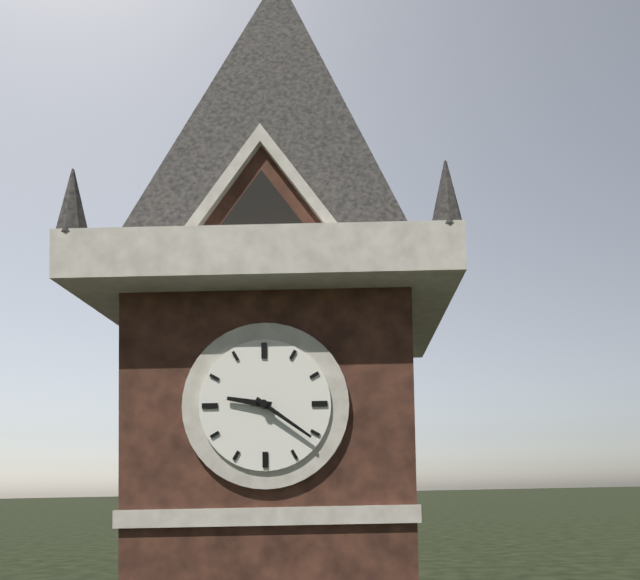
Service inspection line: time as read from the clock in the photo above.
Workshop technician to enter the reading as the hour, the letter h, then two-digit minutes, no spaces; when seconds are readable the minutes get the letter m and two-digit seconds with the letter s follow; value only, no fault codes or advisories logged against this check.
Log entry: 9h21
